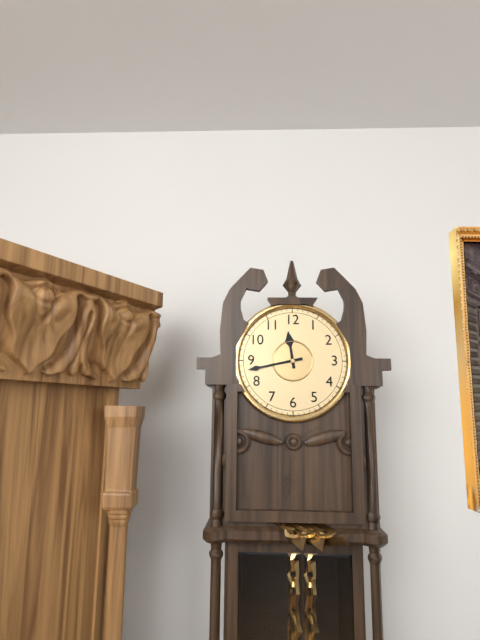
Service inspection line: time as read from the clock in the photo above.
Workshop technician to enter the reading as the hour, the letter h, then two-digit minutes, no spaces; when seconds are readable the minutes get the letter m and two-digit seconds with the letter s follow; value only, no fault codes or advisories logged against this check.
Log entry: 11h43
